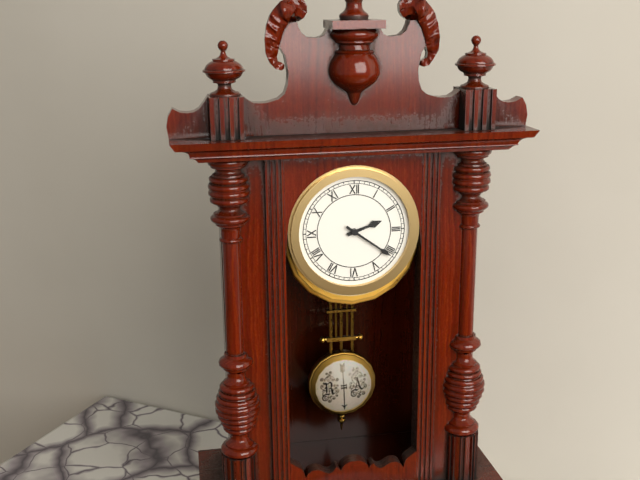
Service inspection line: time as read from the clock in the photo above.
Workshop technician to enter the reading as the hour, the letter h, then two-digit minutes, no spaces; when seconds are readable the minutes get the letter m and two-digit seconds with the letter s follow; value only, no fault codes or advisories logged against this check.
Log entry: 2h21
